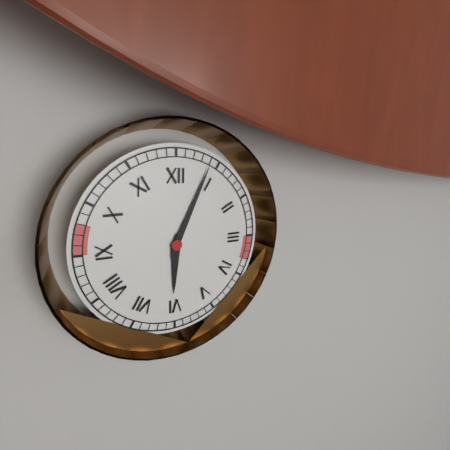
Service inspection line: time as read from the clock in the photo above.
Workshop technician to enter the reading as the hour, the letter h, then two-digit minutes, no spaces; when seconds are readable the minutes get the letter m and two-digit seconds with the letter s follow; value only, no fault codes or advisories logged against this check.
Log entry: 6h04
